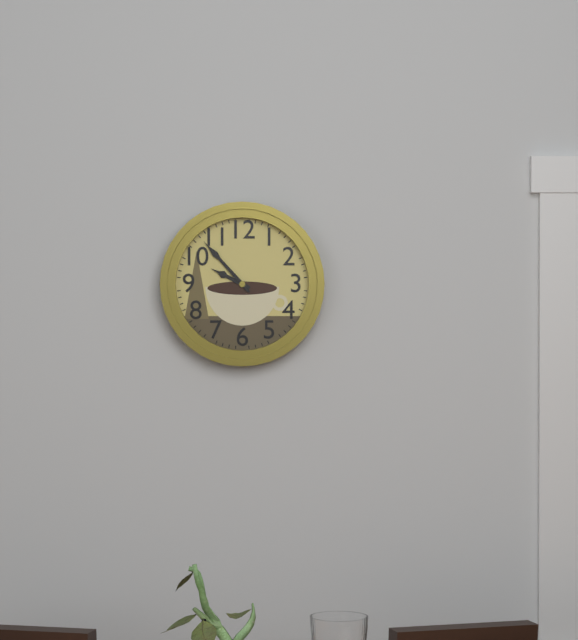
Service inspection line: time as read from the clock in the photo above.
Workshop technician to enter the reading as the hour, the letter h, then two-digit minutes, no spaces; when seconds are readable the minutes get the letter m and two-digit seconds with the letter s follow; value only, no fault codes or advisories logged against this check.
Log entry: 9h53
